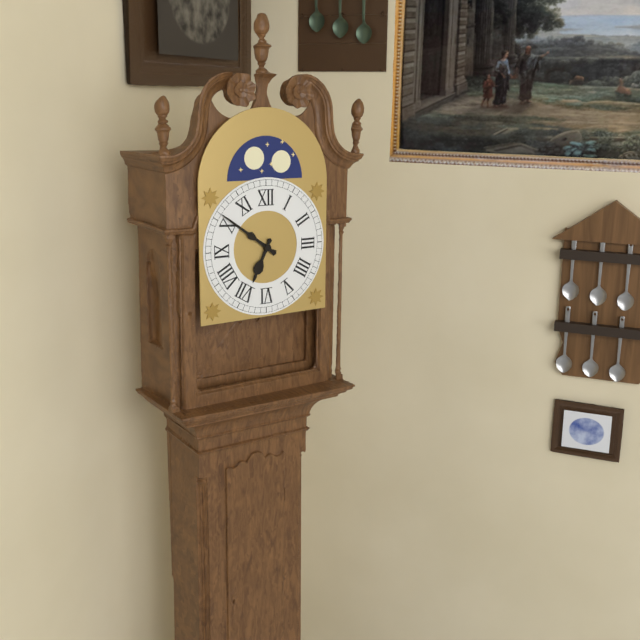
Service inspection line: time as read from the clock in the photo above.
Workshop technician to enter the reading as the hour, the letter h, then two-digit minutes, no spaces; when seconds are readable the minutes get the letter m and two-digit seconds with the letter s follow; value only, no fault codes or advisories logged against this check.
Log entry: 6h51
